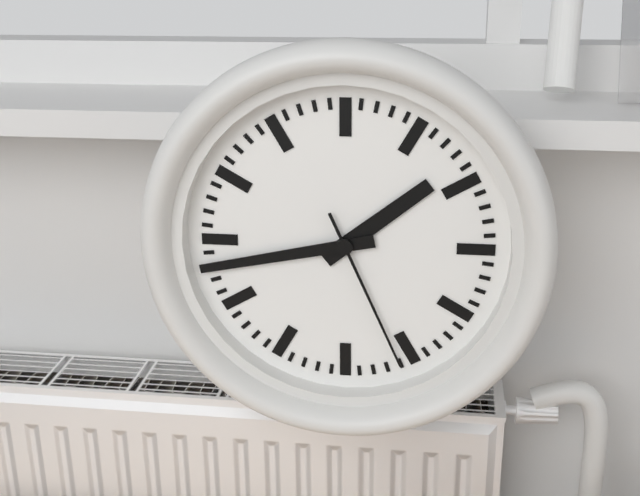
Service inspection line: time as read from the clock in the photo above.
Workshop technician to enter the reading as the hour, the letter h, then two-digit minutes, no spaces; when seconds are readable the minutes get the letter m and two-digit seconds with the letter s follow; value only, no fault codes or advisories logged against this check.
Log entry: 1h43m26s
